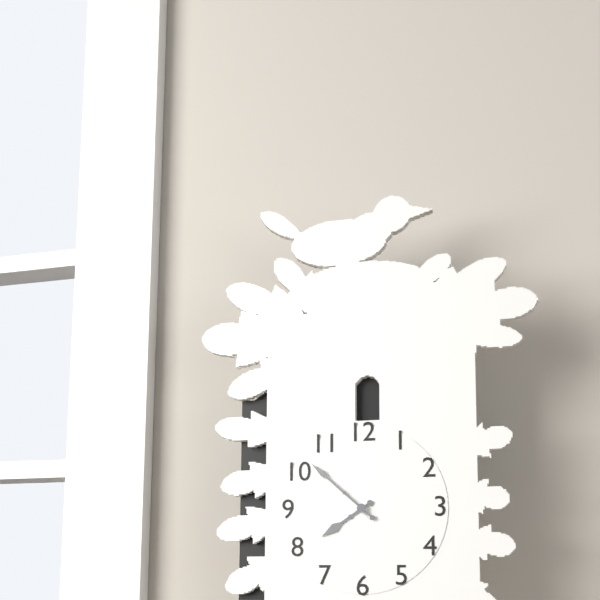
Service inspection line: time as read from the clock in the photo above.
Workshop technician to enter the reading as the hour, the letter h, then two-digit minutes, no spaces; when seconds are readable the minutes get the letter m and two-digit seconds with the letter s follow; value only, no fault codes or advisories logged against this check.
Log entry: 7h52
